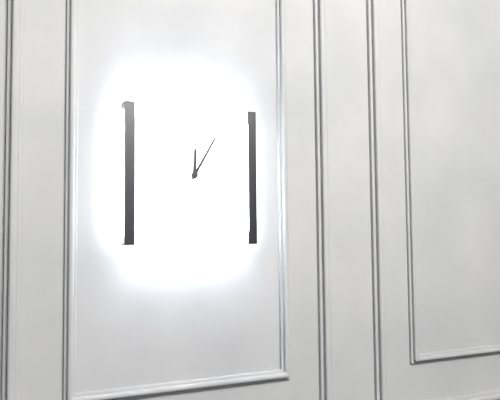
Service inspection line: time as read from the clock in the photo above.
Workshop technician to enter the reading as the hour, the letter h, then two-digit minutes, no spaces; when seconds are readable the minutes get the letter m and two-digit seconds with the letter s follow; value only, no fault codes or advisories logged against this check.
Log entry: 12h05
